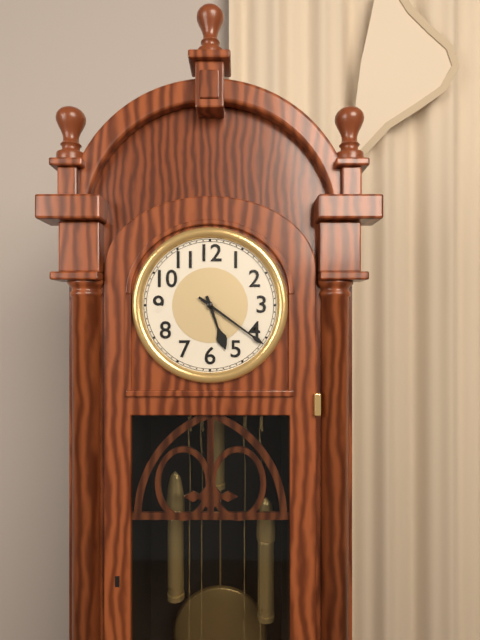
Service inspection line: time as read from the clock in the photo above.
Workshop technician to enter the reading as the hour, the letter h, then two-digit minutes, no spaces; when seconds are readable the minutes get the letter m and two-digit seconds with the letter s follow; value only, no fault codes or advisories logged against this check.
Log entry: 5h21
